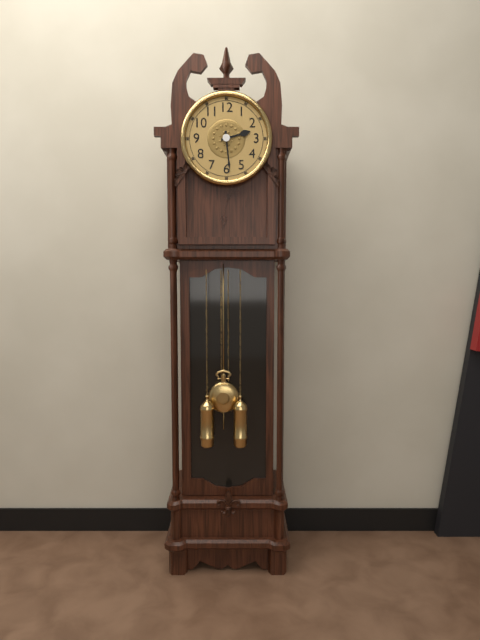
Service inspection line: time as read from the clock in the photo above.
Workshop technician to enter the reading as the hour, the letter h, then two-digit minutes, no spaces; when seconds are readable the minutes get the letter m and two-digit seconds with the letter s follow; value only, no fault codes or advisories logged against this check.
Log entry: 2h29
